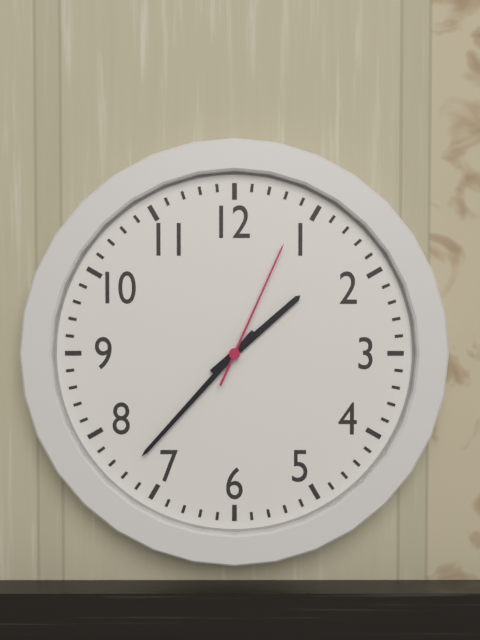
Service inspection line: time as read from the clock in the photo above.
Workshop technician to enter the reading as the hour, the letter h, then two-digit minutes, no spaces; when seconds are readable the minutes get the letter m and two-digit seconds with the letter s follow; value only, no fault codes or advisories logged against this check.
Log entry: 1h37m04s
